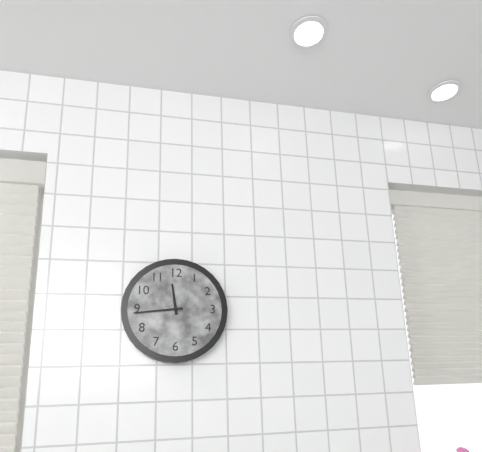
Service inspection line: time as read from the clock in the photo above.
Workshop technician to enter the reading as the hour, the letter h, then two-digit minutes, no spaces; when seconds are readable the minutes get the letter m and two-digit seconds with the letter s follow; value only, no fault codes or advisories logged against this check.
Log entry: 11h44
